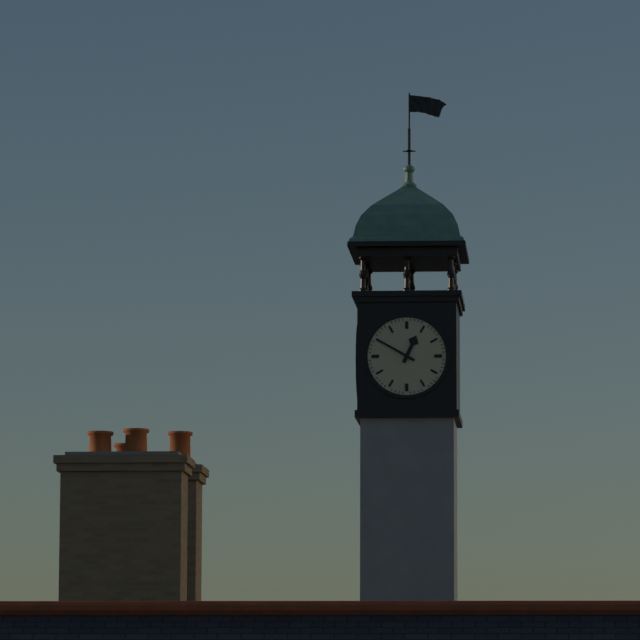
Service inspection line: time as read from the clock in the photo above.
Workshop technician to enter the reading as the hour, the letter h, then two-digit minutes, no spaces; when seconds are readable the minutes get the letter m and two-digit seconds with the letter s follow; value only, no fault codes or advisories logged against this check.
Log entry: 12h50
